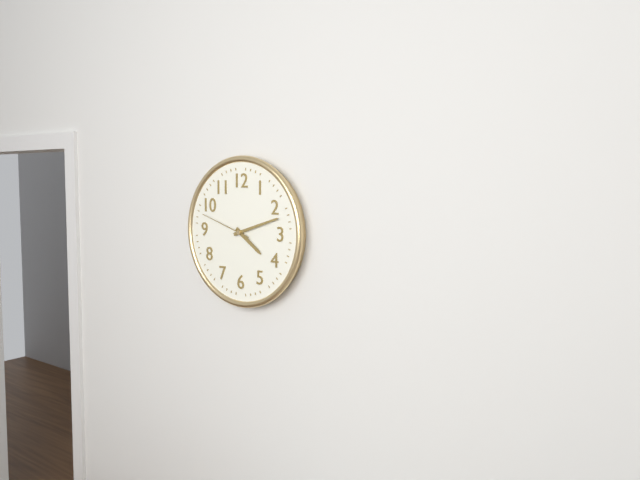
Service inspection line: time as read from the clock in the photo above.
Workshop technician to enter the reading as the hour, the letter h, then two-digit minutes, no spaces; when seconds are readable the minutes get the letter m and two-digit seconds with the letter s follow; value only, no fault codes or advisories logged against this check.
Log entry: 4h12m48s
